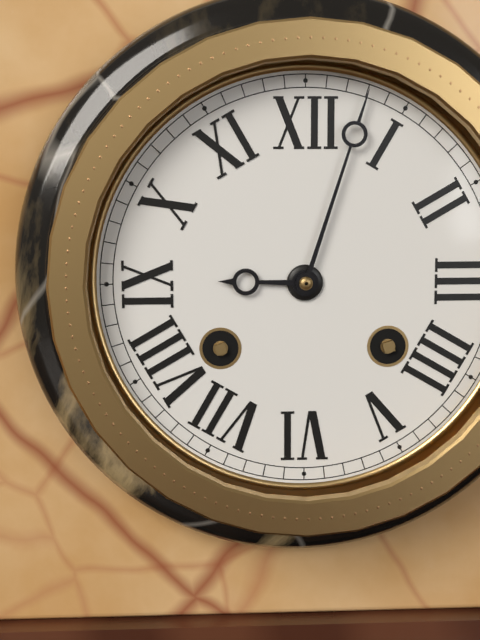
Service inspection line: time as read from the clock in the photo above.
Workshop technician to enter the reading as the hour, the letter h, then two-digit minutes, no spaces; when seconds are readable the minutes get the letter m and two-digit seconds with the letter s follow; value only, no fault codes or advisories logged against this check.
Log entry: 9h03
